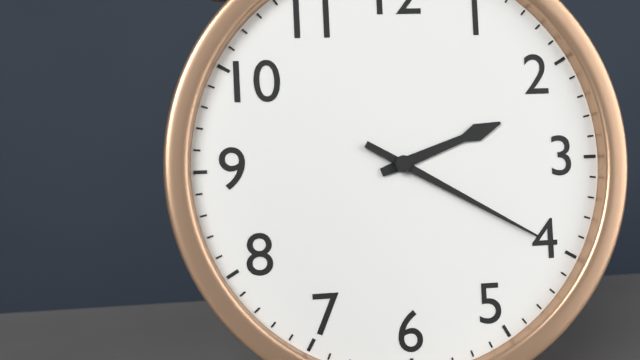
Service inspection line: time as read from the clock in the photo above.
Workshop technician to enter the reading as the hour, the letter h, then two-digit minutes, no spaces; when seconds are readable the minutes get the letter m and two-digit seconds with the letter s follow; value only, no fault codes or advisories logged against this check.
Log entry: 2h20
